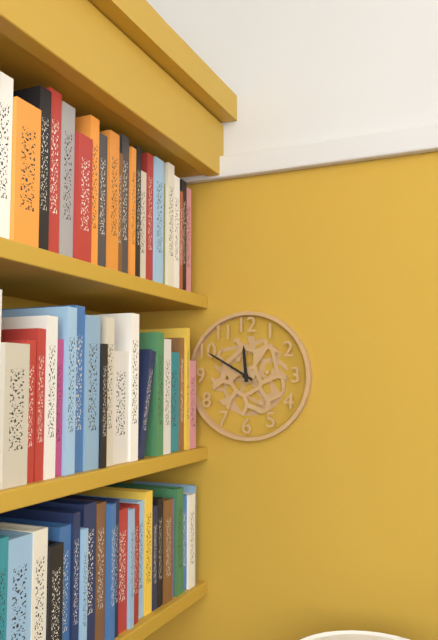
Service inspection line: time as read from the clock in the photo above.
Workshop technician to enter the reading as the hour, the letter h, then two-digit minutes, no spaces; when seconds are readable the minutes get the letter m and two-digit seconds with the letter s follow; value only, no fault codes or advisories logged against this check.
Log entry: 11h50
